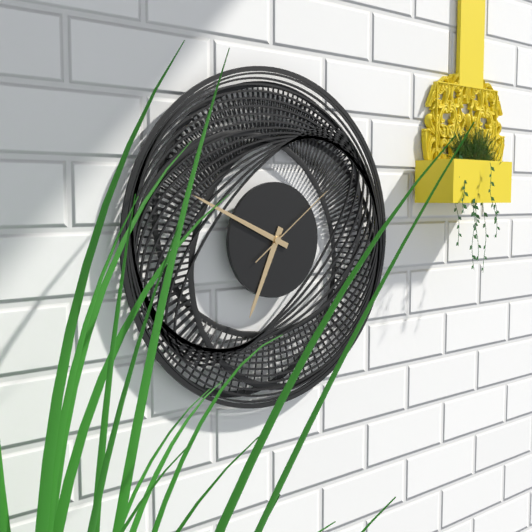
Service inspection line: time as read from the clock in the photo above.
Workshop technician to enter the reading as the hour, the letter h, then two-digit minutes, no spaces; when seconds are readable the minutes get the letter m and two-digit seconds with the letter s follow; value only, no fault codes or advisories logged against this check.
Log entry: 6h49m09s
